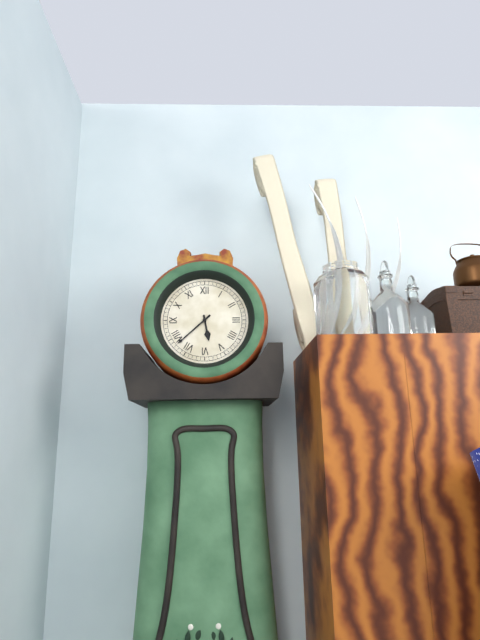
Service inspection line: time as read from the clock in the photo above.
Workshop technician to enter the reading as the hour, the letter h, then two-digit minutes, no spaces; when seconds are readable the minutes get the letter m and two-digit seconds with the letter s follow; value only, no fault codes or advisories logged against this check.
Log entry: 5h38
